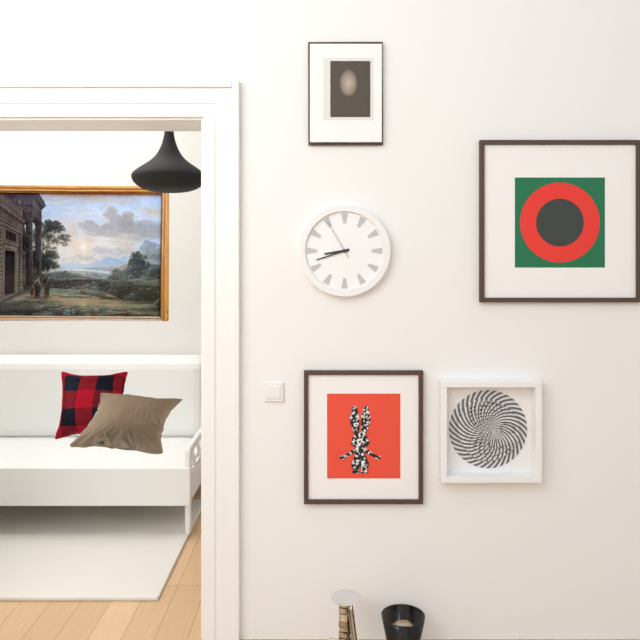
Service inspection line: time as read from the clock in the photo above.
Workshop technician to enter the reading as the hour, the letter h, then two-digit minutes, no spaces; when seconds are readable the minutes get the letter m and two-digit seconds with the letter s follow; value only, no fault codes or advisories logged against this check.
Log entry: 8h42
